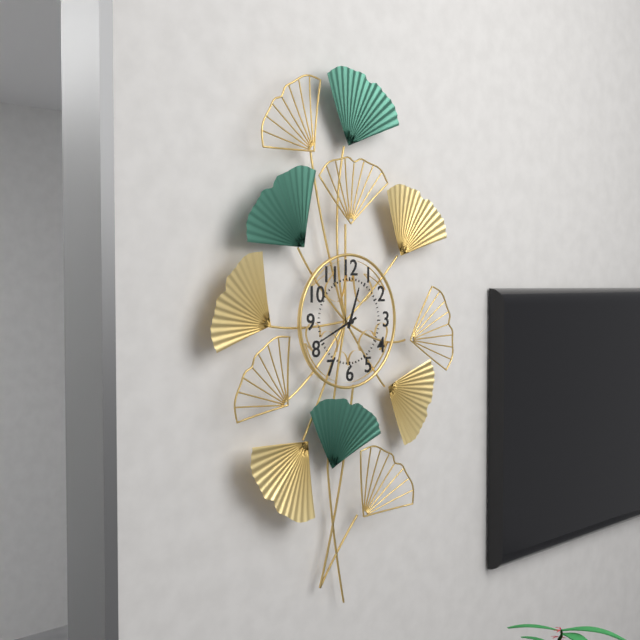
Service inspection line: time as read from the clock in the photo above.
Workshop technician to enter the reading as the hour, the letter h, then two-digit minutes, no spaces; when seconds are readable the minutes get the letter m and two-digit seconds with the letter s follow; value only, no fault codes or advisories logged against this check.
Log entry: 12h41
